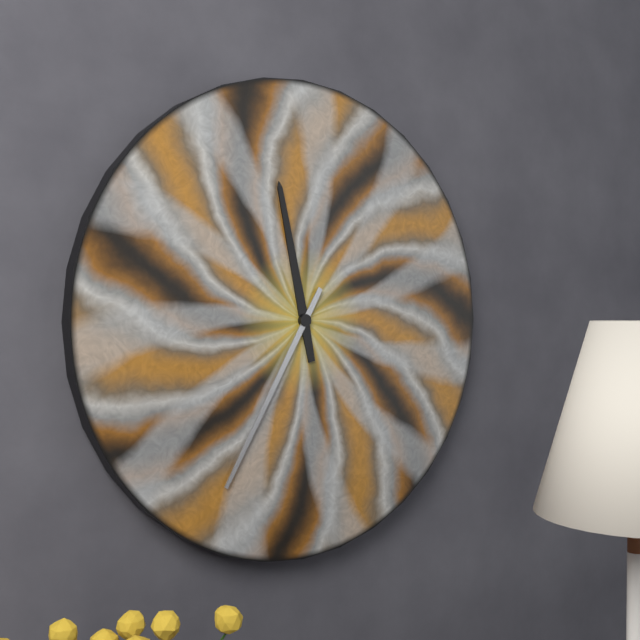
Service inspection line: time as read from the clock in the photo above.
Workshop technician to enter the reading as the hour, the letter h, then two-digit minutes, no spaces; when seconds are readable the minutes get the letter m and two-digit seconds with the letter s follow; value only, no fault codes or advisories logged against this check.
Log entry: 11h35
